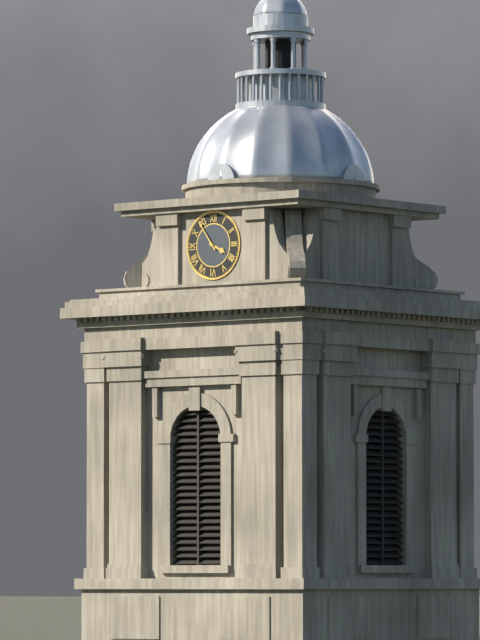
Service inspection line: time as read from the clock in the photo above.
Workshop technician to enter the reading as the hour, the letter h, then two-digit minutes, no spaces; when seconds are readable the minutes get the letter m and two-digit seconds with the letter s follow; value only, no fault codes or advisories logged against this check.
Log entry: 3h54
